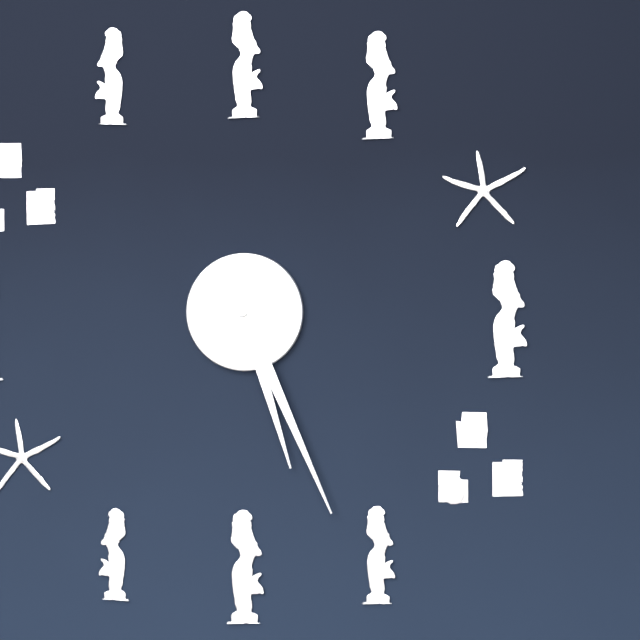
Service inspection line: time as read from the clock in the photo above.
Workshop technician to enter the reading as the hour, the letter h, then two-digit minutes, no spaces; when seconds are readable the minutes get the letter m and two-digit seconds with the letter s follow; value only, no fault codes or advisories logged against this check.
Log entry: 5h26
